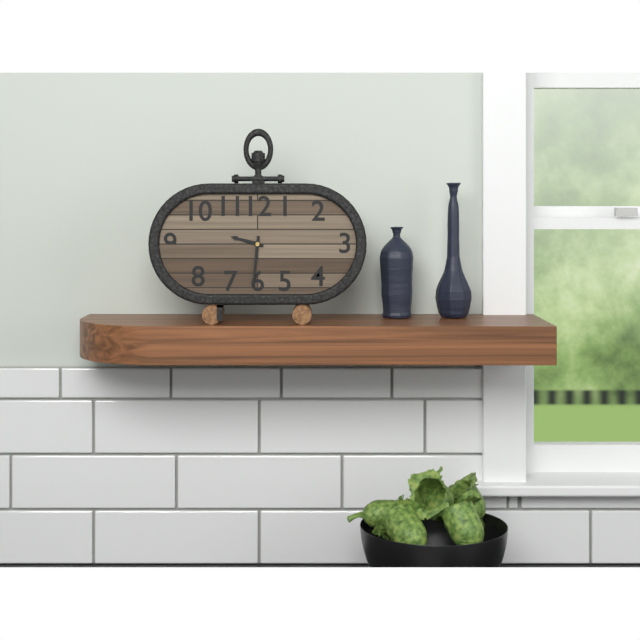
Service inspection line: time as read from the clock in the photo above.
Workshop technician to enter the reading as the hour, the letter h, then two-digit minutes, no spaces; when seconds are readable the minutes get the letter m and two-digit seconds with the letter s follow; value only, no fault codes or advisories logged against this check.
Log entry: 9h31
